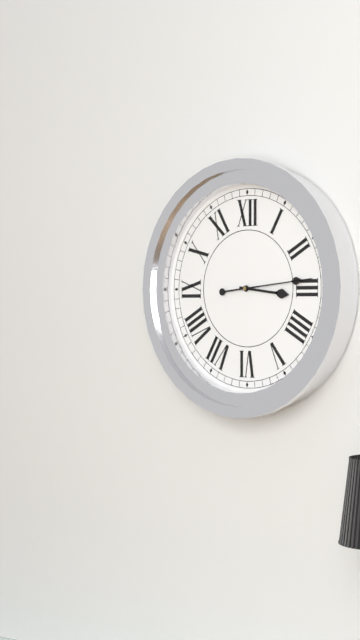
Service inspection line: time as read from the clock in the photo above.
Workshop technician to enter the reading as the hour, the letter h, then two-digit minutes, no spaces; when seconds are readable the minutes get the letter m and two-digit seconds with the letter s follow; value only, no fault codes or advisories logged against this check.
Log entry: 3h14
